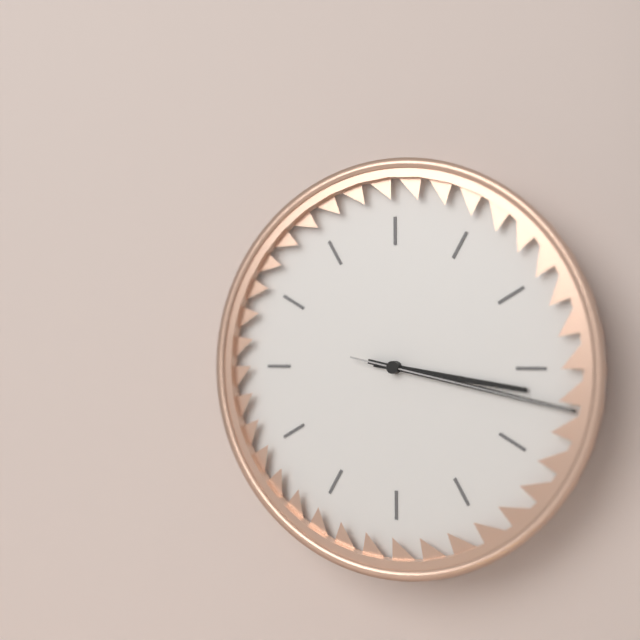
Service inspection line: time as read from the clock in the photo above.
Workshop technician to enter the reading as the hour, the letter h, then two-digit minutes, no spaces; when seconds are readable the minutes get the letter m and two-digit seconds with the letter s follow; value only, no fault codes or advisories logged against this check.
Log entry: 3h17m17s
